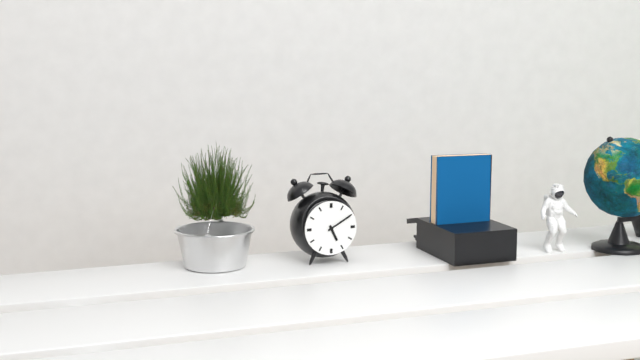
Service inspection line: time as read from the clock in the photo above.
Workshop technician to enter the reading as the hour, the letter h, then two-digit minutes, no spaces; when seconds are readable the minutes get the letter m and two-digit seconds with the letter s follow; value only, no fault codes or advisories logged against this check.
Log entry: 5h10
